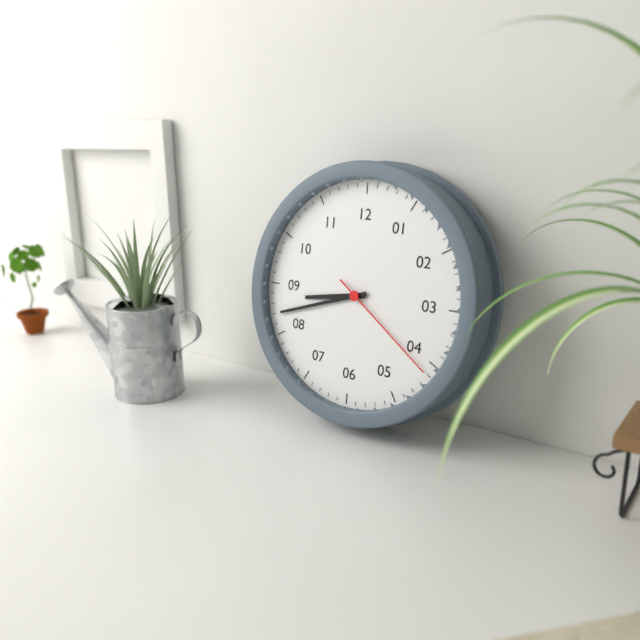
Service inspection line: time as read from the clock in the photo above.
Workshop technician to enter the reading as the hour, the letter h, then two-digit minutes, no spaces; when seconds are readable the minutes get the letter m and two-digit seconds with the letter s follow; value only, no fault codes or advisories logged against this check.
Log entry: 8h42m21s
